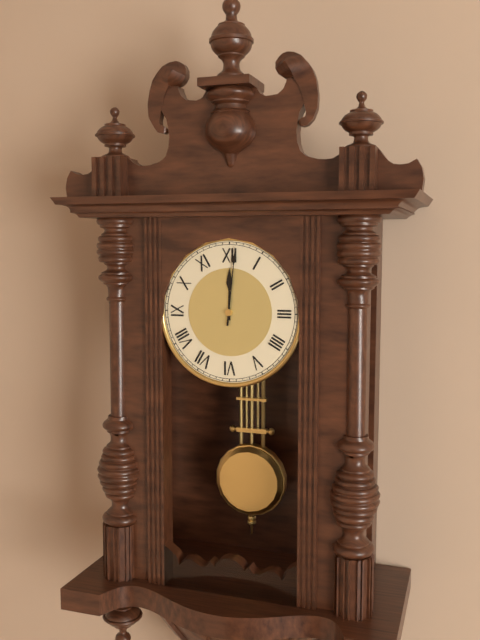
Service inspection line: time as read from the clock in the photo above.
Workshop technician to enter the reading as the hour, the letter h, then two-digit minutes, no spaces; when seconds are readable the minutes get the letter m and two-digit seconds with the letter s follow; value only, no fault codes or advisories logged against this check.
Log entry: 12h01
